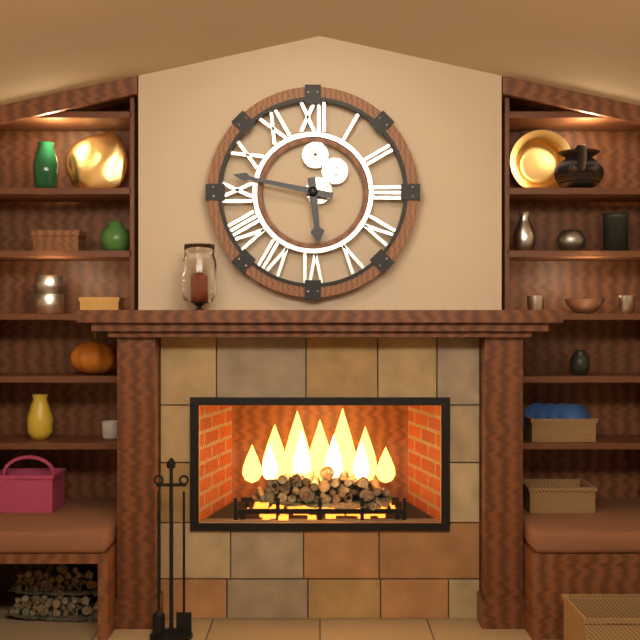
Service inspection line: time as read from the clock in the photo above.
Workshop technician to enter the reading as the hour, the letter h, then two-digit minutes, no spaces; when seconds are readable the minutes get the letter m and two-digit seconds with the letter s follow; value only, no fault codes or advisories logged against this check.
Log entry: 5h47
